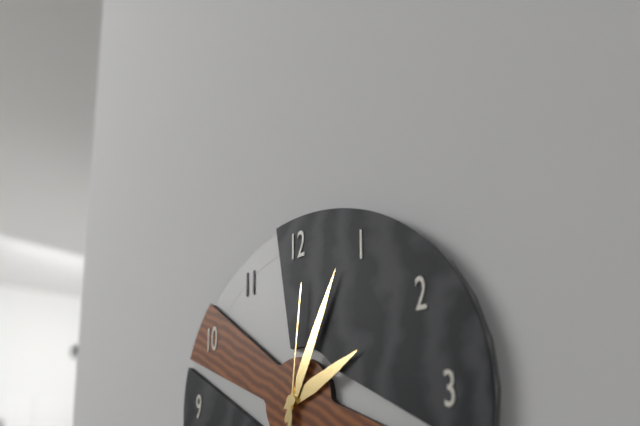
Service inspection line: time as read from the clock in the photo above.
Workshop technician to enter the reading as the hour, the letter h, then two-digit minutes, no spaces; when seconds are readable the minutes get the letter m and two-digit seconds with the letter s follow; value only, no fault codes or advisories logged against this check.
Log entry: 2h04m01s
